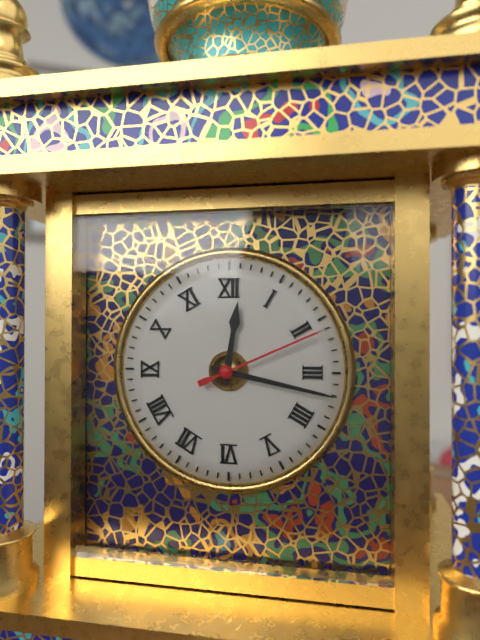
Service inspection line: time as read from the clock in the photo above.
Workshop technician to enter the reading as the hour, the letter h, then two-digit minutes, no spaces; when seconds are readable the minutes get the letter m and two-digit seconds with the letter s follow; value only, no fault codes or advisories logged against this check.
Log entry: 12h17m11s
